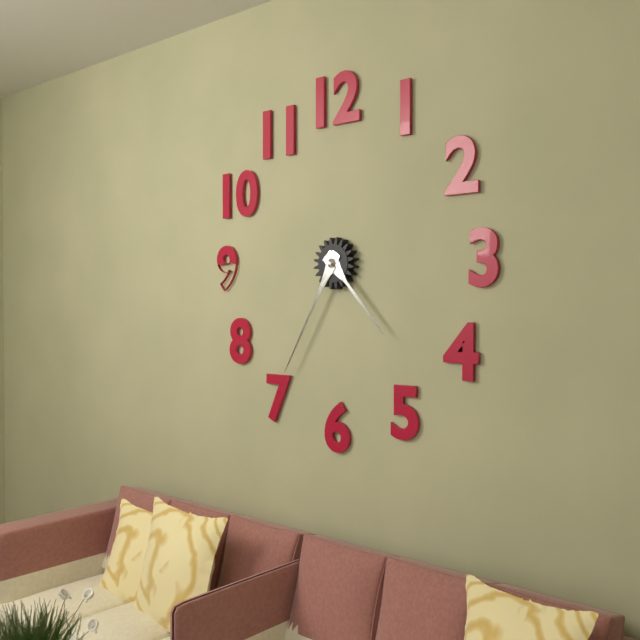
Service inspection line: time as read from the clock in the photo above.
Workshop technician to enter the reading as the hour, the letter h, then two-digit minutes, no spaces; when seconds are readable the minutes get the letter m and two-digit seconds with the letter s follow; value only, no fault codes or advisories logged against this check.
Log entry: 4h35
